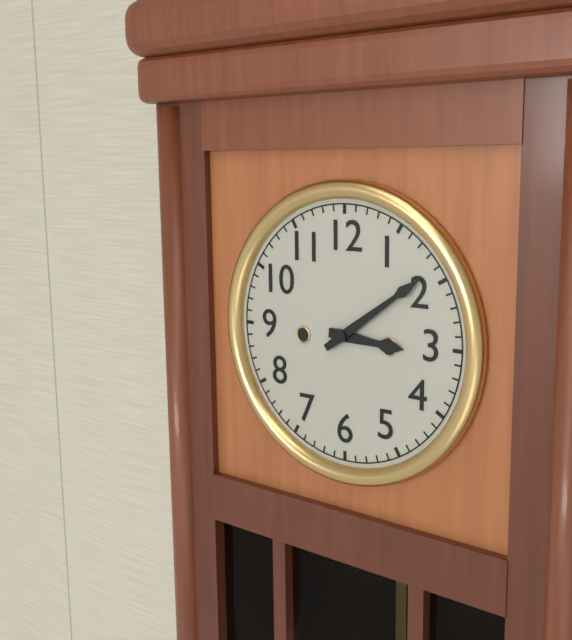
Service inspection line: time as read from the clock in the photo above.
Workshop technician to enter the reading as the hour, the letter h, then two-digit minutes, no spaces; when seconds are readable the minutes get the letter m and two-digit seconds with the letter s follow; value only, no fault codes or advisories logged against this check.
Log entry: 3h09
